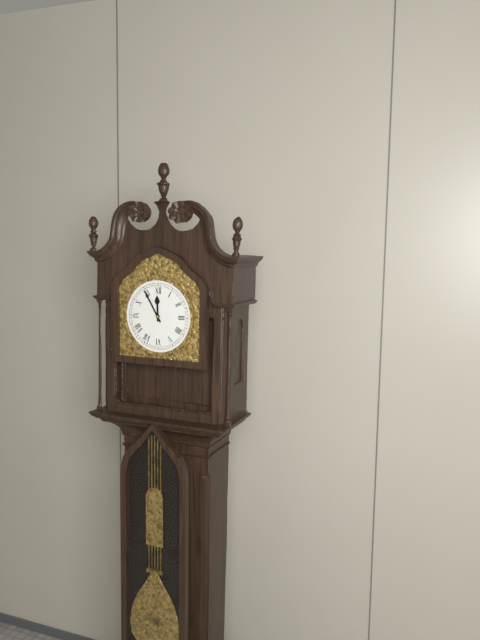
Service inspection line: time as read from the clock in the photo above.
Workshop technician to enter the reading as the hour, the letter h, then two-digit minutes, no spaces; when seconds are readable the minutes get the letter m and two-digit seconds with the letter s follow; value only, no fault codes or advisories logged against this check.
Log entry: 11h55
